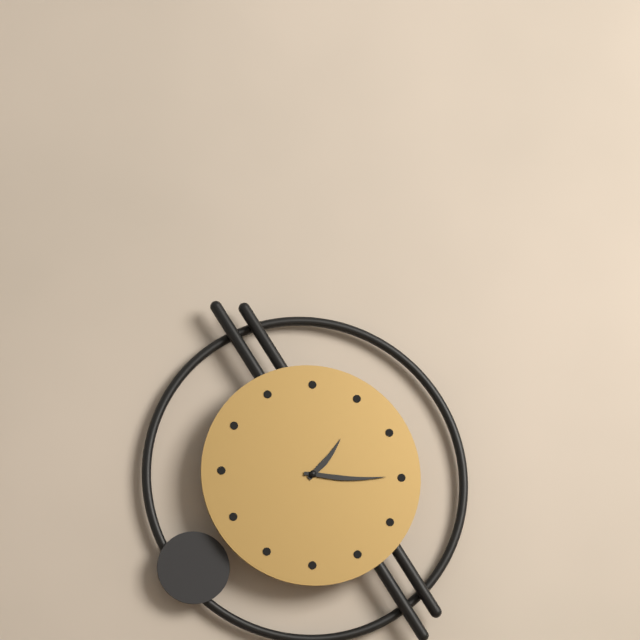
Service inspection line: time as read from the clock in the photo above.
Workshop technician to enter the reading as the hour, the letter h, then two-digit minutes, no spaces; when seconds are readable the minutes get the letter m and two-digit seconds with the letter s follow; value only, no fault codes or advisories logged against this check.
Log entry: 1h15
